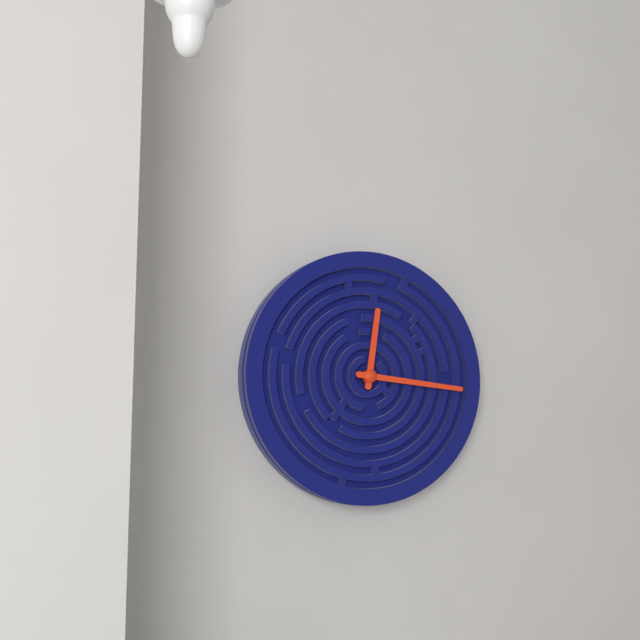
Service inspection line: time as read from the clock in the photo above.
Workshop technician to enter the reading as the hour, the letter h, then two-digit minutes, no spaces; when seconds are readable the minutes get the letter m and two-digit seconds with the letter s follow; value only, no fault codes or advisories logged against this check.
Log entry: 12h16
